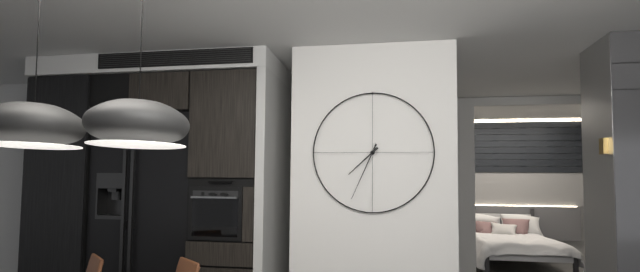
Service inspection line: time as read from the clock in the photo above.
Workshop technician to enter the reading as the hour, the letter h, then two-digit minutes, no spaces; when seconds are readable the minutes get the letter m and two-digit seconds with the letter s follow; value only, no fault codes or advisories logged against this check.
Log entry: 7h34
